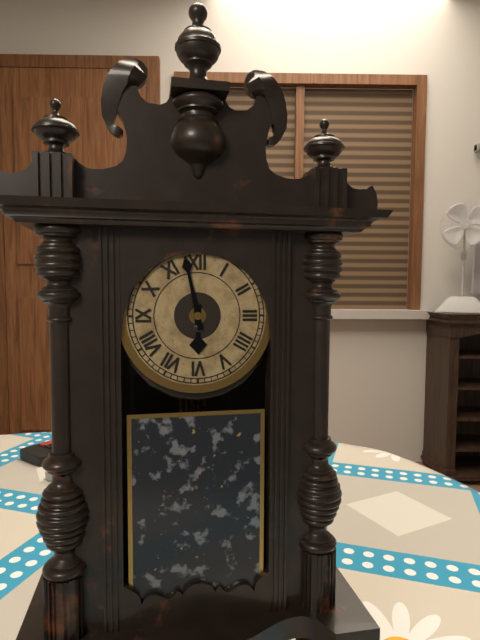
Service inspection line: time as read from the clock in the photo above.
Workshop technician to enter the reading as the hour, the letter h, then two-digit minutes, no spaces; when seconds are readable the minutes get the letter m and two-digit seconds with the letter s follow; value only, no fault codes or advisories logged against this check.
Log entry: 5h58
